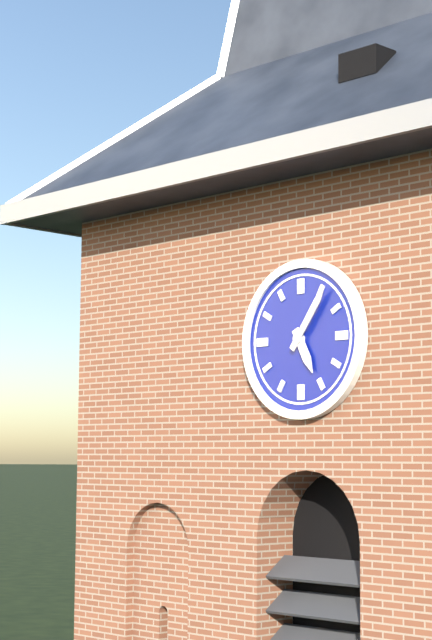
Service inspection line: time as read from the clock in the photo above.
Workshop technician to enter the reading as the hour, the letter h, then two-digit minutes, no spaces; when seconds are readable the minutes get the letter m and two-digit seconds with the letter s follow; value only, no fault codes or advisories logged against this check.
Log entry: 5h06
